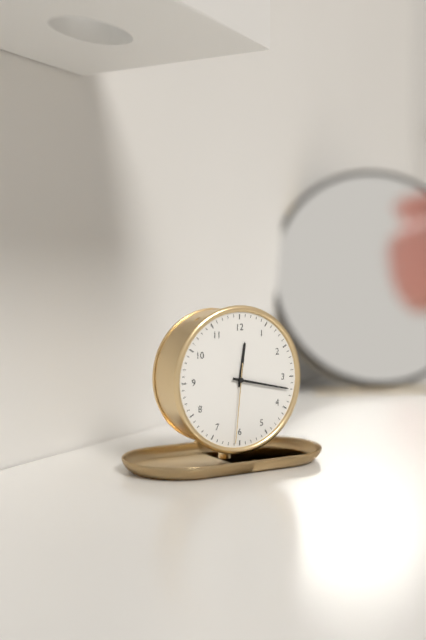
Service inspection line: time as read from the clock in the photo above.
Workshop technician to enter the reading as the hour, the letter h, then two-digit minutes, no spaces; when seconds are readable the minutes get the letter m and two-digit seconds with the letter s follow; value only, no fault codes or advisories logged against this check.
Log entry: 12h17m31s
